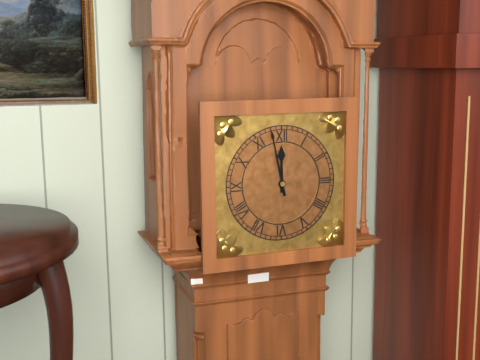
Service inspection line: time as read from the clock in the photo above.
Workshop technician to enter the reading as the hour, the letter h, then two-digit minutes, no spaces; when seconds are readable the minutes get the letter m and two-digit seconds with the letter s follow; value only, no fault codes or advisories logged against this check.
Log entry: 11h58
